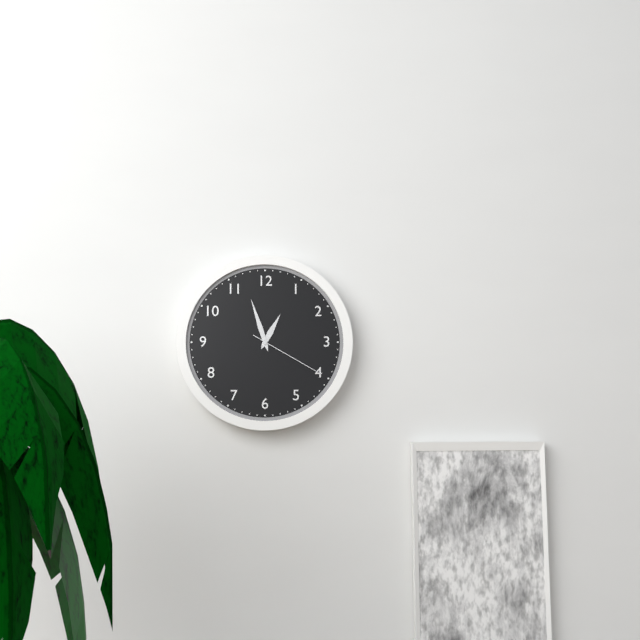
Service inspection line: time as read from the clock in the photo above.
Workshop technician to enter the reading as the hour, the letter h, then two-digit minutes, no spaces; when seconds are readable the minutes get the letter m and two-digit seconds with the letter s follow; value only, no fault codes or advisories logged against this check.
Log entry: 12h57m20s
